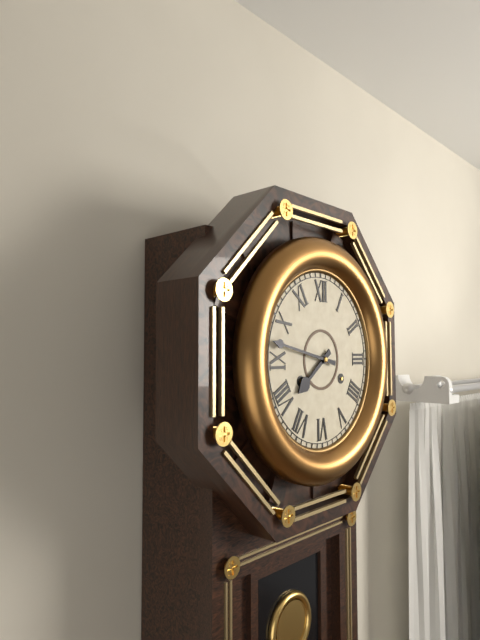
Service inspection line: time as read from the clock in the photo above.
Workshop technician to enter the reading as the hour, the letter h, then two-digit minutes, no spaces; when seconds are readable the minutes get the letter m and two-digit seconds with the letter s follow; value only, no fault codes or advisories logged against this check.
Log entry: 7h47
